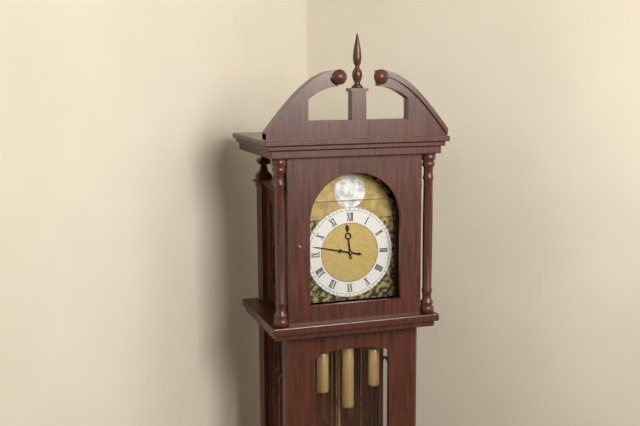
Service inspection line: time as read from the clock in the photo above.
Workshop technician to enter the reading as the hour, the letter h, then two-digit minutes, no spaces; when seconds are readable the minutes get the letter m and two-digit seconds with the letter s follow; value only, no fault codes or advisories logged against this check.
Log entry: 11h47
